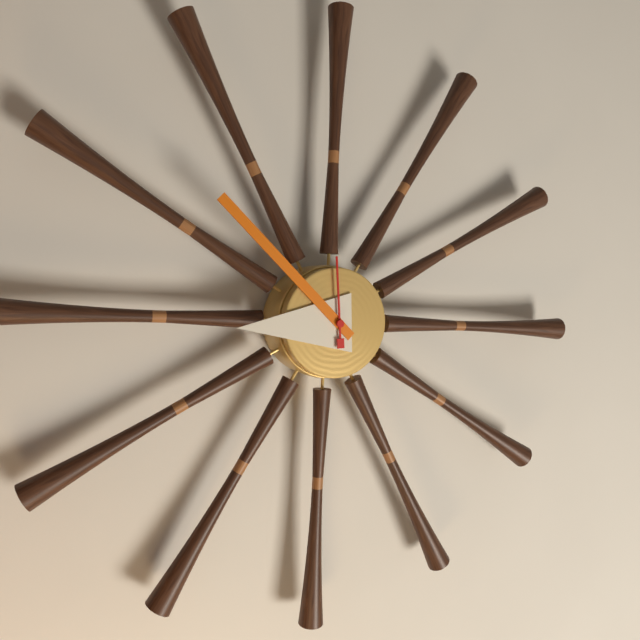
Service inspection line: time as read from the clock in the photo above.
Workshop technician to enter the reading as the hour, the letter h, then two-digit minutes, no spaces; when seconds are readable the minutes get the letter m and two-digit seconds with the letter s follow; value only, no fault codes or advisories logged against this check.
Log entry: 8h52m59s
